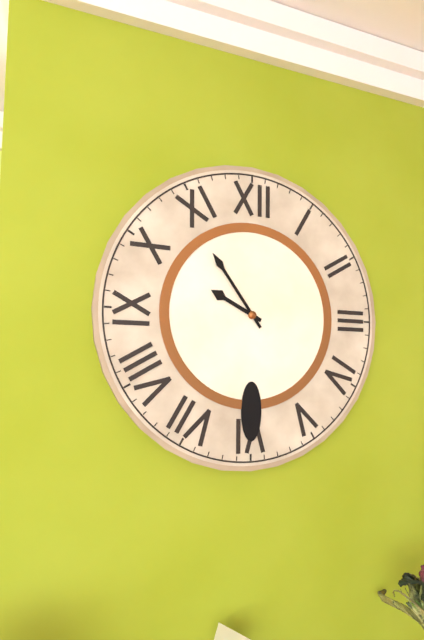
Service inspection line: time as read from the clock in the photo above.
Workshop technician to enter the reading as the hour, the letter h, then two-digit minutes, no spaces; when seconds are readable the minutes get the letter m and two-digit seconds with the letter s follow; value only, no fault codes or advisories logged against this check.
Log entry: 9h54
